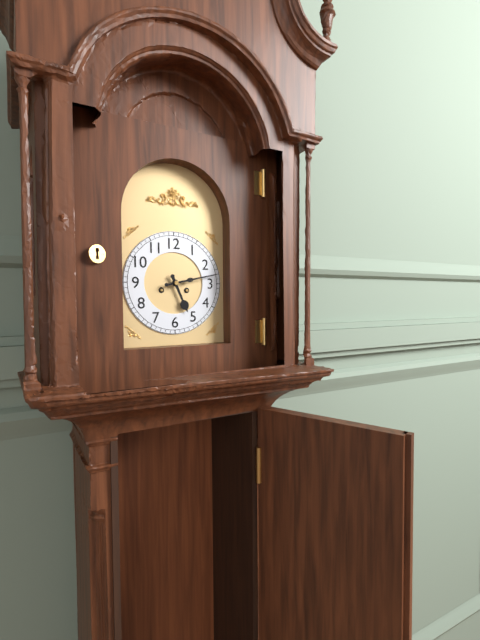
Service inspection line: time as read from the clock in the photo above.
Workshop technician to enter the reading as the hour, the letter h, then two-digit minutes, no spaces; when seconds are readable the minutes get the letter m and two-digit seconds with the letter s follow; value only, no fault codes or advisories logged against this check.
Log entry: 5h13
